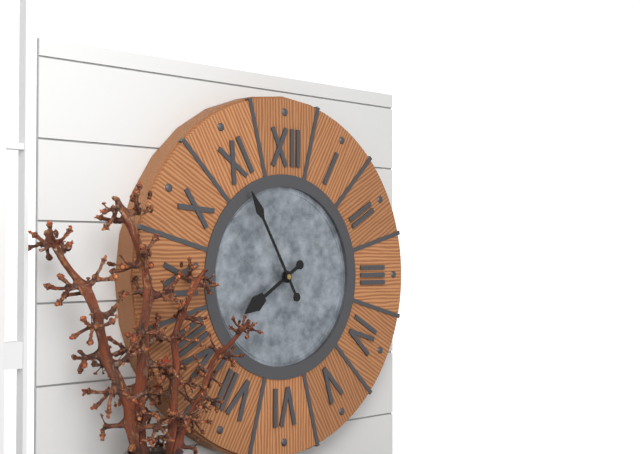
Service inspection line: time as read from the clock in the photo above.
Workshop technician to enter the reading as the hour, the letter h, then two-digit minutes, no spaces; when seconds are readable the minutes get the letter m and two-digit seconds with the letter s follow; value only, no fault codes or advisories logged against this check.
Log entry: 7h55
